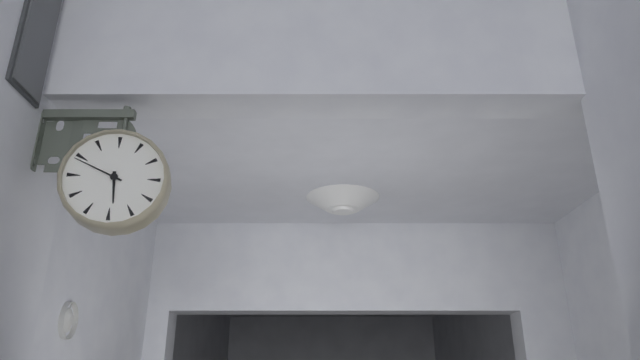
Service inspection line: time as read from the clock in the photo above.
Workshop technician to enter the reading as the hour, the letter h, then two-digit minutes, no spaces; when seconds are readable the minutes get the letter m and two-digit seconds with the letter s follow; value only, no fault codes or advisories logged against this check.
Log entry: 5h49
